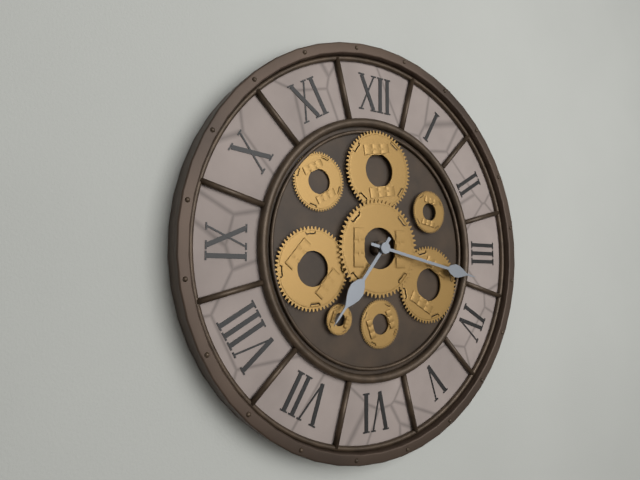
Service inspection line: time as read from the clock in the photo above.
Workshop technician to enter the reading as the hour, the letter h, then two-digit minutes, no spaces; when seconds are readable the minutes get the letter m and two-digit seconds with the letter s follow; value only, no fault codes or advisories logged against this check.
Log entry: 7h17
